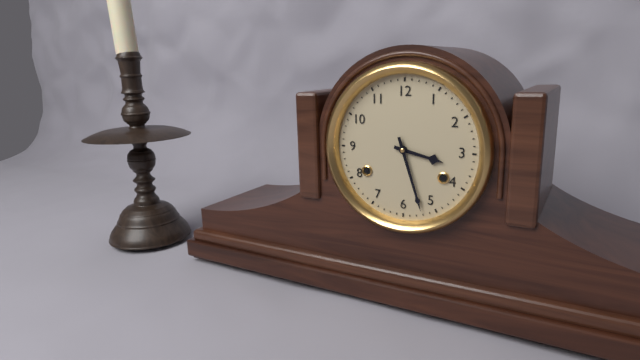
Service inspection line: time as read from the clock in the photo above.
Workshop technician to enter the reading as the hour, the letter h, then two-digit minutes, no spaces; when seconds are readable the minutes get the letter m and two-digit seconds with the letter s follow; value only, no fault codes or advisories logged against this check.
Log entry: 3h27
